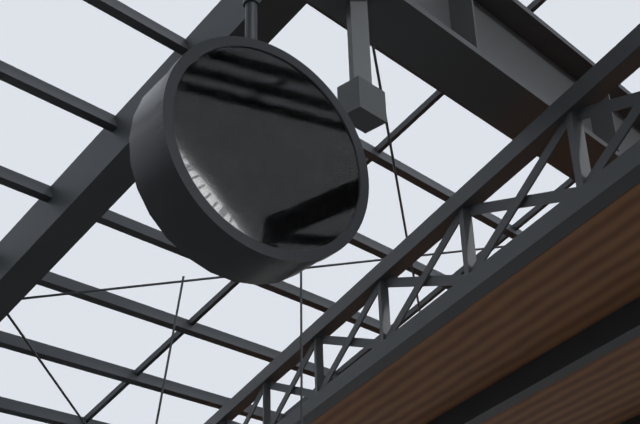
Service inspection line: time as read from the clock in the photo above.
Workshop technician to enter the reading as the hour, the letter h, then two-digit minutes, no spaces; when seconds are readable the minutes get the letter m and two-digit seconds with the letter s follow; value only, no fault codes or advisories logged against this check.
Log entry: 12h47m20s
